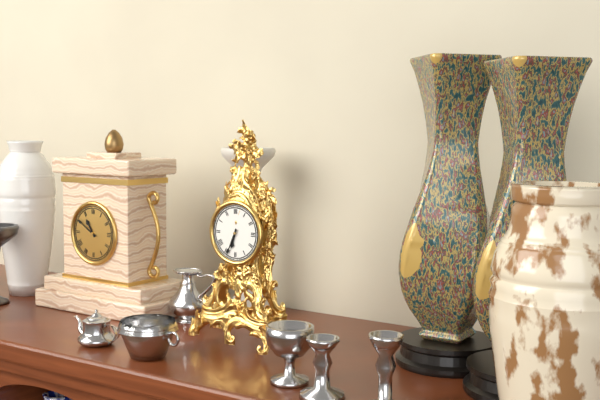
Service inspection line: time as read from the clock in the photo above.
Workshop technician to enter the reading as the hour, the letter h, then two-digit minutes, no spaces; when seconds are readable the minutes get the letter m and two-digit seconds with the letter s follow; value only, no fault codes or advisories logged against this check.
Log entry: 6h34
